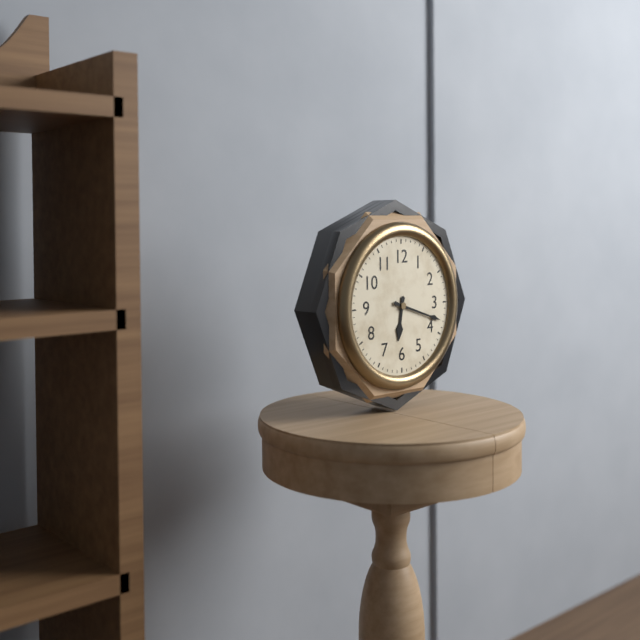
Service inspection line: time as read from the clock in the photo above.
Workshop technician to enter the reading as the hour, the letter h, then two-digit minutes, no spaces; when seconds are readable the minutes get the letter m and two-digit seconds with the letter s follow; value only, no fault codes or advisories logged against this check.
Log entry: 6h18
